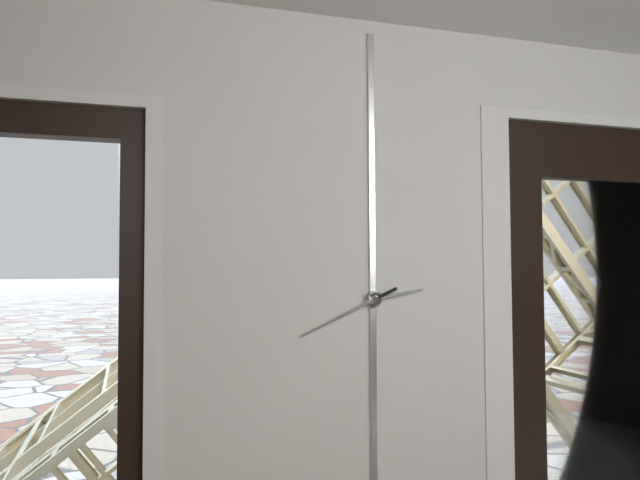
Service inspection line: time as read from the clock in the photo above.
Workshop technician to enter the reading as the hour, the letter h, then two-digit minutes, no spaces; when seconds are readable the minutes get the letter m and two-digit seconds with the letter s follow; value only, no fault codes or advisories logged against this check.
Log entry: 2h41
